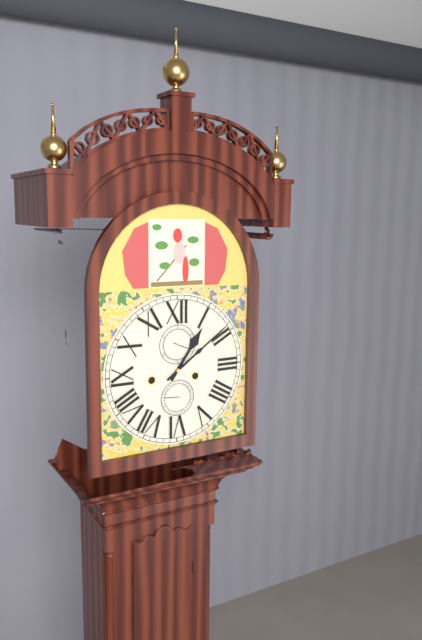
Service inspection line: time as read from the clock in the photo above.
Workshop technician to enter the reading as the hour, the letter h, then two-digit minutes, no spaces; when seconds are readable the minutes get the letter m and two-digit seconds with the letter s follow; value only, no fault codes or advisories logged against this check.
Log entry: 1h09
